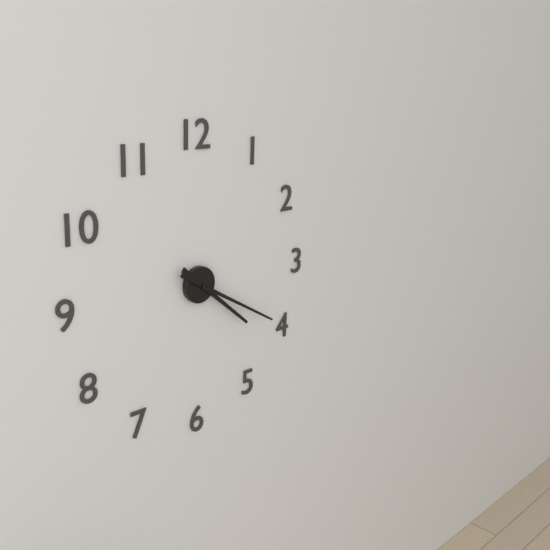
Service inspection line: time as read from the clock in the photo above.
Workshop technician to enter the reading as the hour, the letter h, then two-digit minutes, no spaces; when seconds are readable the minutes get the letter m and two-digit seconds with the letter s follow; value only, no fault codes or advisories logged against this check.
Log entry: 4h20
